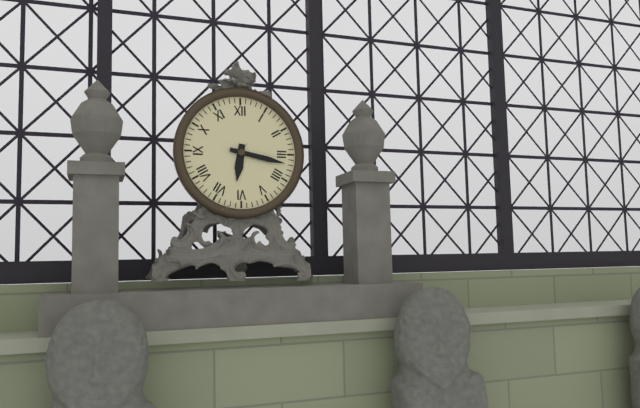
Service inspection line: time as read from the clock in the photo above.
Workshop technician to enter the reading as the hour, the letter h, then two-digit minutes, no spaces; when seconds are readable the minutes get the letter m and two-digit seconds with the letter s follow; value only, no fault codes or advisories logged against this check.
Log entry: 6h17
